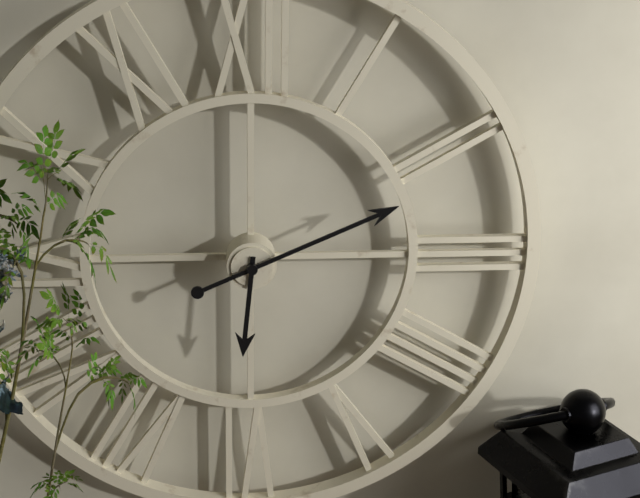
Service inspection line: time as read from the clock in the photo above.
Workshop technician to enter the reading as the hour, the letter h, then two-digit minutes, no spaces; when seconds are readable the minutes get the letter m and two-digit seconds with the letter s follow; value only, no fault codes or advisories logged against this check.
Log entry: 6h11
